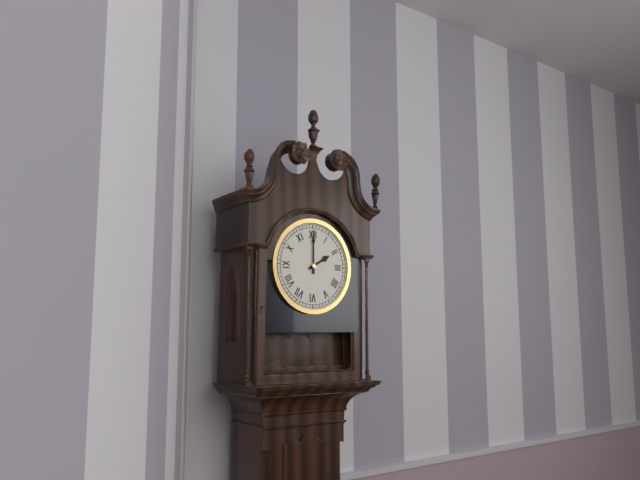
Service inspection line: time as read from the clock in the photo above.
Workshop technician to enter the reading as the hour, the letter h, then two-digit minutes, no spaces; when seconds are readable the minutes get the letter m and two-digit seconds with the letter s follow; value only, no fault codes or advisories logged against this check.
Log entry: 2h00
